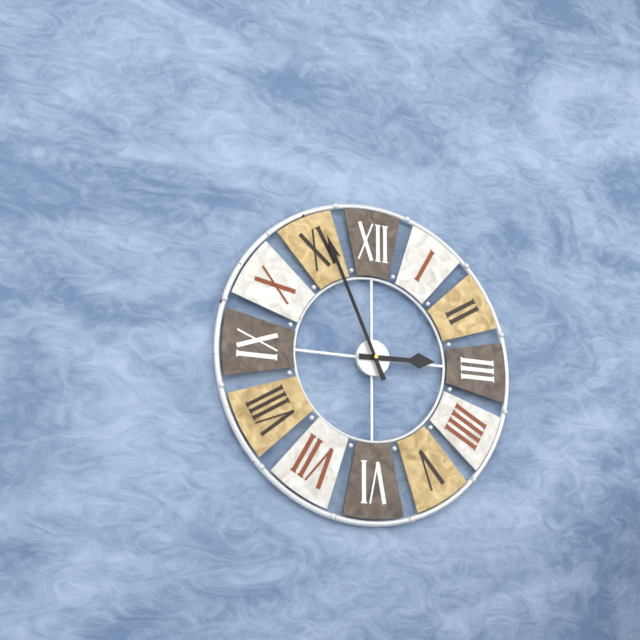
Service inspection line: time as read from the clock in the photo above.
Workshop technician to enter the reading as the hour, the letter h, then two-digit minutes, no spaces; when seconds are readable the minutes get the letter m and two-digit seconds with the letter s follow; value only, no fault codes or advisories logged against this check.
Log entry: 2h56
